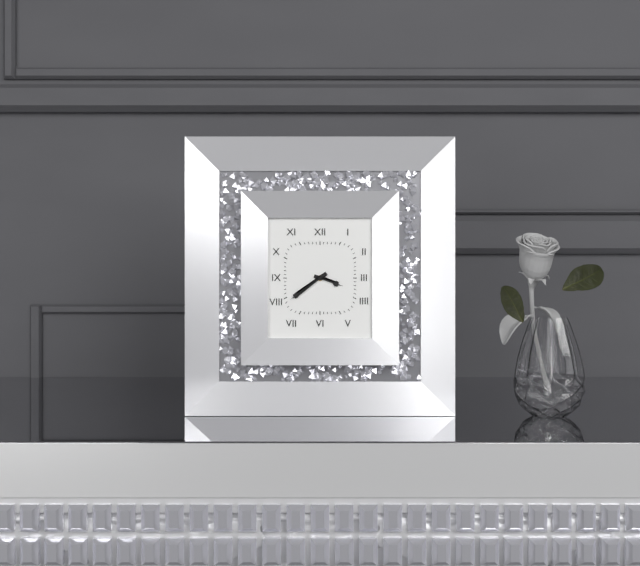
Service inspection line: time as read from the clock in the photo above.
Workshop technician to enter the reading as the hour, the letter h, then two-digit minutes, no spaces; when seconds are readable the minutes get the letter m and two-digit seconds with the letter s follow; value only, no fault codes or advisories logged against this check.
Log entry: 3h39
